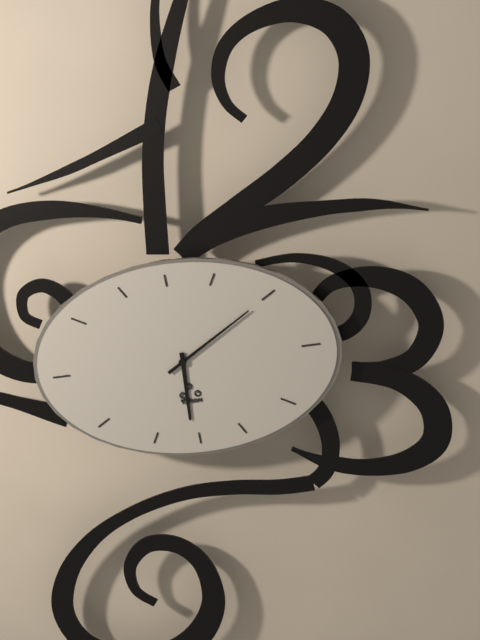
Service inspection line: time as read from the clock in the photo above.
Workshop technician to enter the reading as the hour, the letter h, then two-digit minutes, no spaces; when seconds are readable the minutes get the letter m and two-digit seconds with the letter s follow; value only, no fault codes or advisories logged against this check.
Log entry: 6h10
